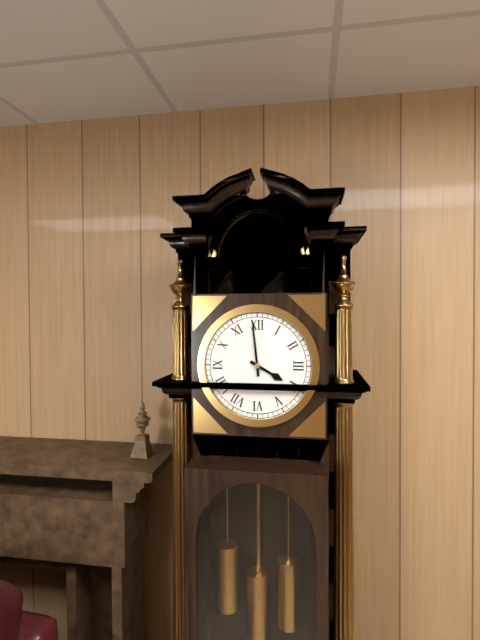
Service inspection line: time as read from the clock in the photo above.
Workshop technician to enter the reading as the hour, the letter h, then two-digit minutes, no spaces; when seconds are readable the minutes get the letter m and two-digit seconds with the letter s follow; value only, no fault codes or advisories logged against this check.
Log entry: 3h59
